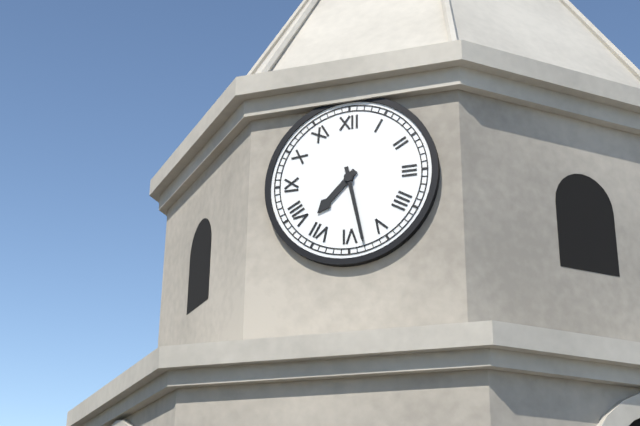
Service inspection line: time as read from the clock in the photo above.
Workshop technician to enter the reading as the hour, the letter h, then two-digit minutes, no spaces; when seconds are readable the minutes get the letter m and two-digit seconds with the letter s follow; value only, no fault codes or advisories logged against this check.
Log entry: 7h28
